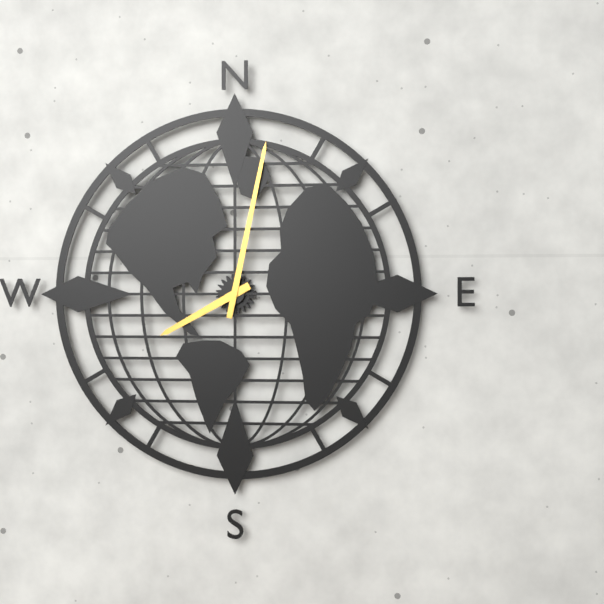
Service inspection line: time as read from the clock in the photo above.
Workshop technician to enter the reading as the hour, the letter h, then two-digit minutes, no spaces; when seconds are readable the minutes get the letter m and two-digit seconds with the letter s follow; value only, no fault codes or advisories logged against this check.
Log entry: 8h02
